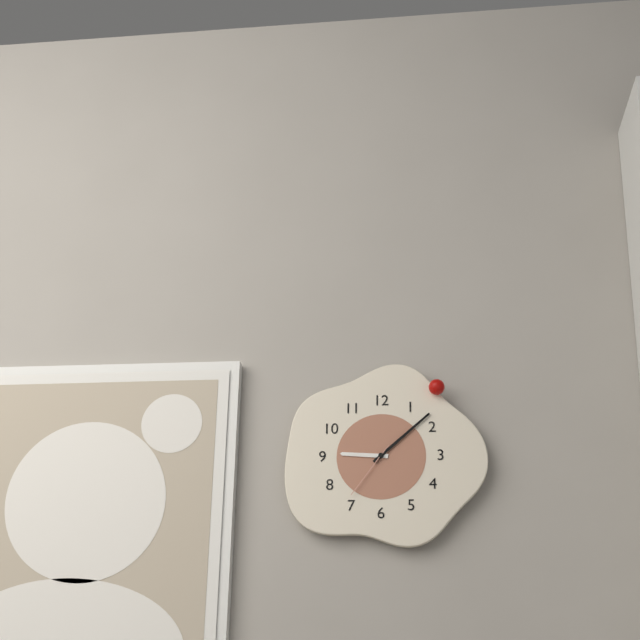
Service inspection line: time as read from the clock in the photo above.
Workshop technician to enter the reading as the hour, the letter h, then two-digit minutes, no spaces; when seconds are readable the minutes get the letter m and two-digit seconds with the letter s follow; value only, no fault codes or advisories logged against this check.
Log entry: 9h08m36s
